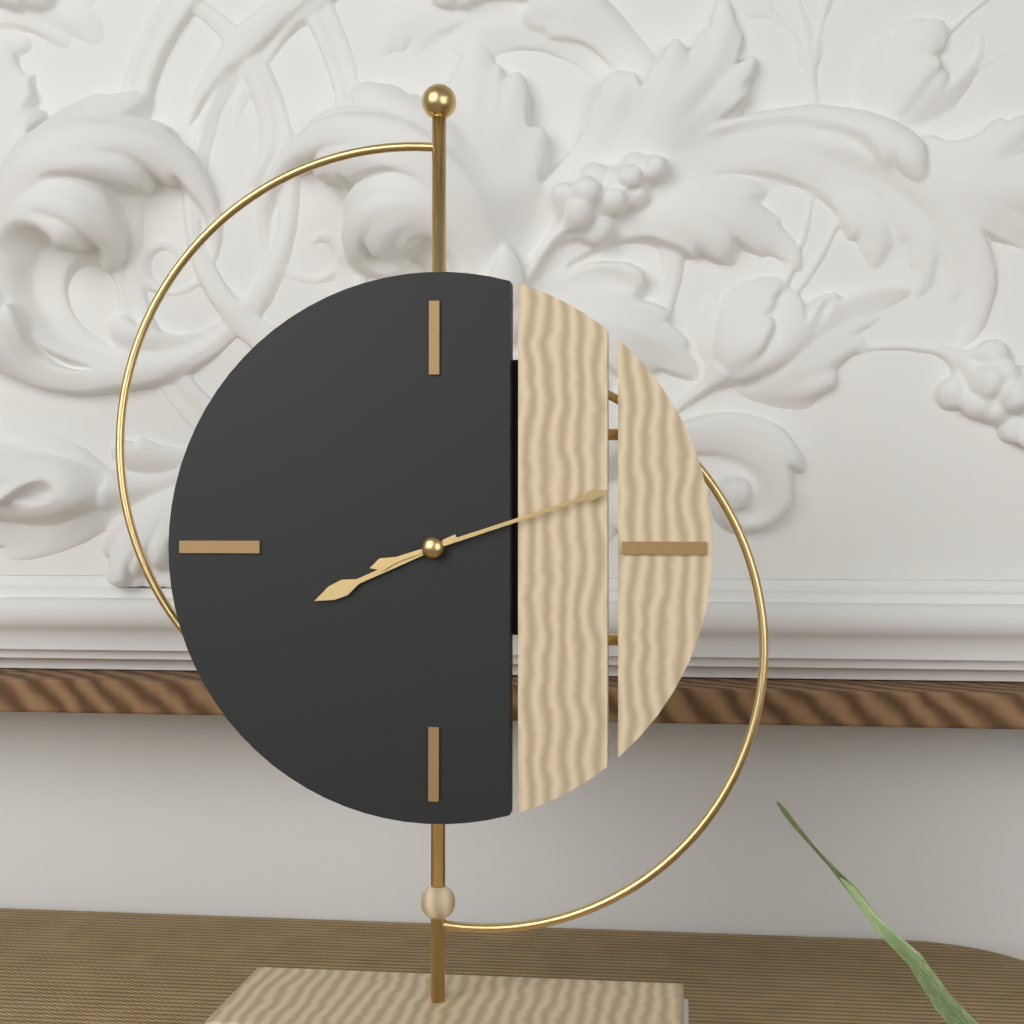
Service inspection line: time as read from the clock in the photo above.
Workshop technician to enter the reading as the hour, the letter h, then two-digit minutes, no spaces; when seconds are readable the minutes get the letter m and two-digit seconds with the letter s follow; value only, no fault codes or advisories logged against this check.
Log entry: 8h12
